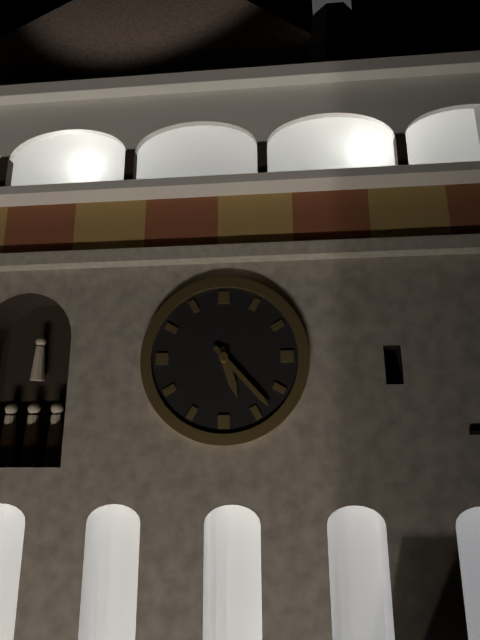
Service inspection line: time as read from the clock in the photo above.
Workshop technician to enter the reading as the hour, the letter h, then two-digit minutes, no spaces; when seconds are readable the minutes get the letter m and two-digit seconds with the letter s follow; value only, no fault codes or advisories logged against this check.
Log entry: 5h23
